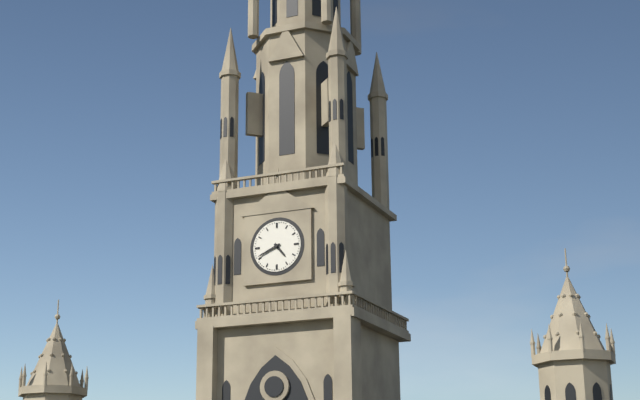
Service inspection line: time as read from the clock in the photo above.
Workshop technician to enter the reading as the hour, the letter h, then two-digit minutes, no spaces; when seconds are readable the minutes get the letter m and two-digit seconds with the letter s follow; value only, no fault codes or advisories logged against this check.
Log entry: 4h41
